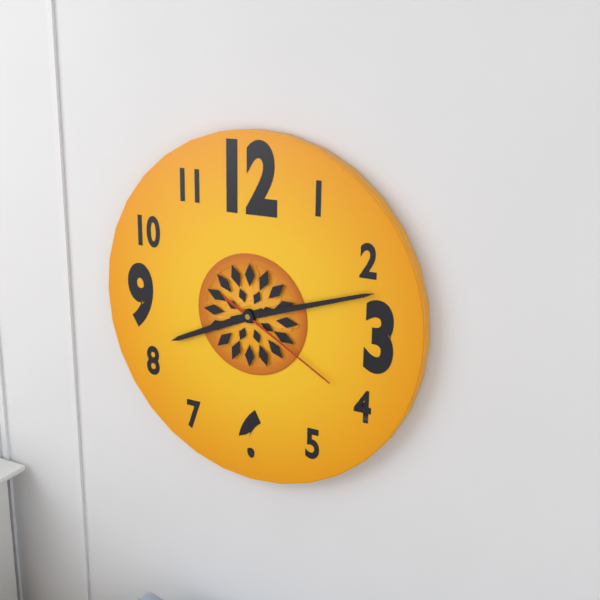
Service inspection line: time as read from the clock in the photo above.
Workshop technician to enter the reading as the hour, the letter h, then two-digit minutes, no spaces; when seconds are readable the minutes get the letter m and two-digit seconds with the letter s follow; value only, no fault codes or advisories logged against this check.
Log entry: 8h12m20s
